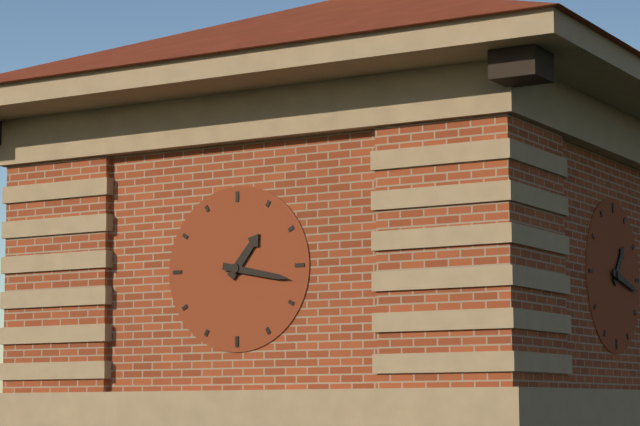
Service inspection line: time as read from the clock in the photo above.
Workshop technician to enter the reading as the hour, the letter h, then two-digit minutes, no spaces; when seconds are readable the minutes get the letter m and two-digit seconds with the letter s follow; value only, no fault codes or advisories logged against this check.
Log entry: 1h17
